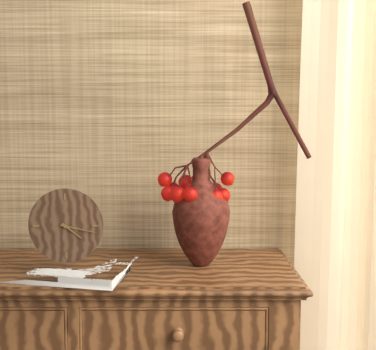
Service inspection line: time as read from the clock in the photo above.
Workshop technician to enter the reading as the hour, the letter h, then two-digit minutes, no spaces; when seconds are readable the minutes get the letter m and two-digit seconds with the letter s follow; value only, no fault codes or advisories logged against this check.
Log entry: 4h17
